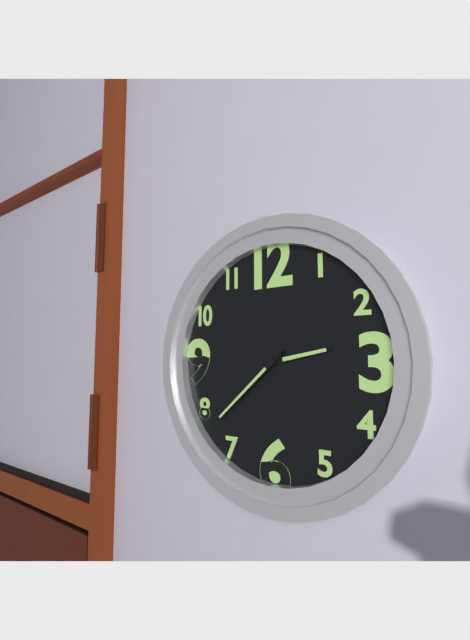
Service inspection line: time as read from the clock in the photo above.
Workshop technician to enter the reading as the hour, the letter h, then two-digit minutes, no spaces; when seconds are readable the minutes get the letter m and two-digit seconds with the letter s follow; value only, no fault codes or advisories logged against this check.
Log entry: 2h38
